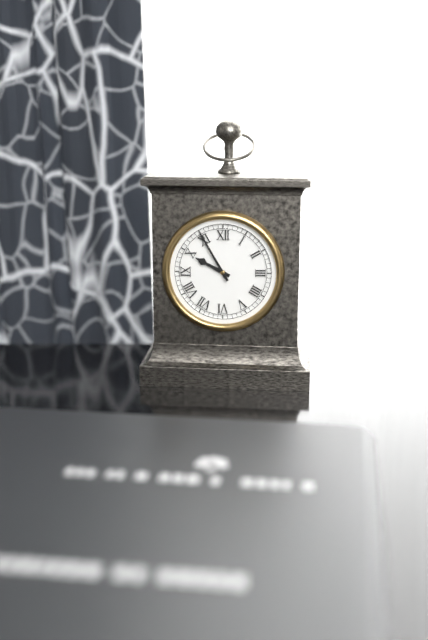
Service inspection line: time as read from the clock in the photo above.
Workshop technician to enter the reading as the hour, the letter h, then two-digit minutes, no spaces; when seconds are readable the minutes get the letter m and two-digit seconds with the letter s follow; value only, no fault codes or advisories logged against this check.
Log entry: 9h55
